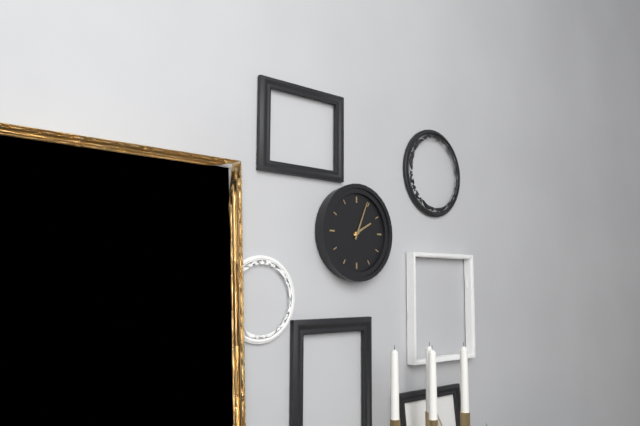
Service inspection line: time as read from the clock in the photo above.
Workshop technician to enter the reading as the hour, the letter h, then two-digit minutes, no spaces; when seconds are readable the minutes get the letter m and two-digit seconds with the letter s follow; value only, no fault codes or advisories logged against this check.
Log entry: 2h04
